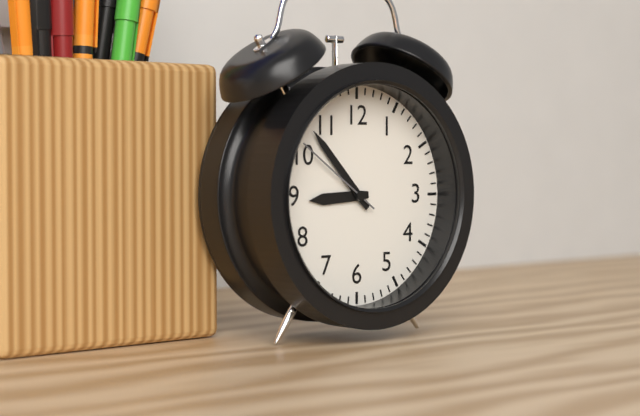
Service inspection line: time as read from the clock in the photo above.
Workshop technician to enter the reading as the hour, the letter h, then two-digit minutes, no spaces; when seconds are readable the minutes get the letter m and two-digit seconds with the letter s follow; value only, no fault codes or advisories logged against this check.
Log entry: 8h53m51s
